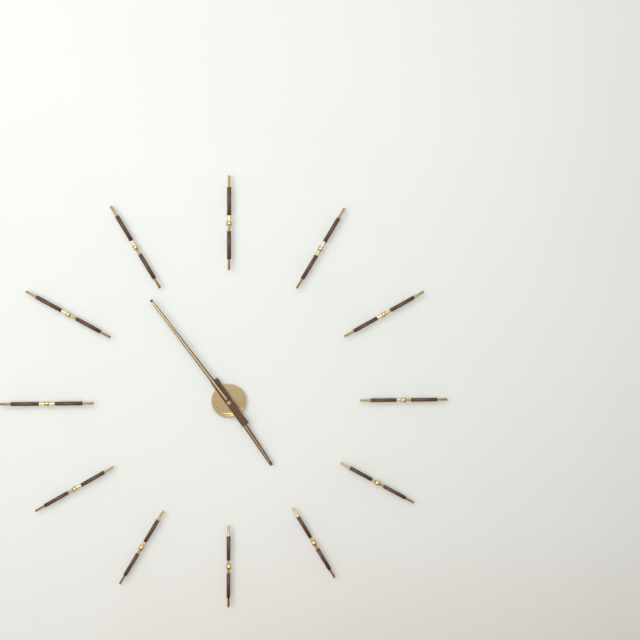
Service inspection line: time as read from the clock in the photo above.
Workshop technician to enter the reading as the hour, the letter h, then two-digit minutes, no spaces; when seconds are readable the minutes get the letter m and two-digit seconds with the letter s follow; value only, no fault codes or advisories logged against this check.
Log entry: 4h54
